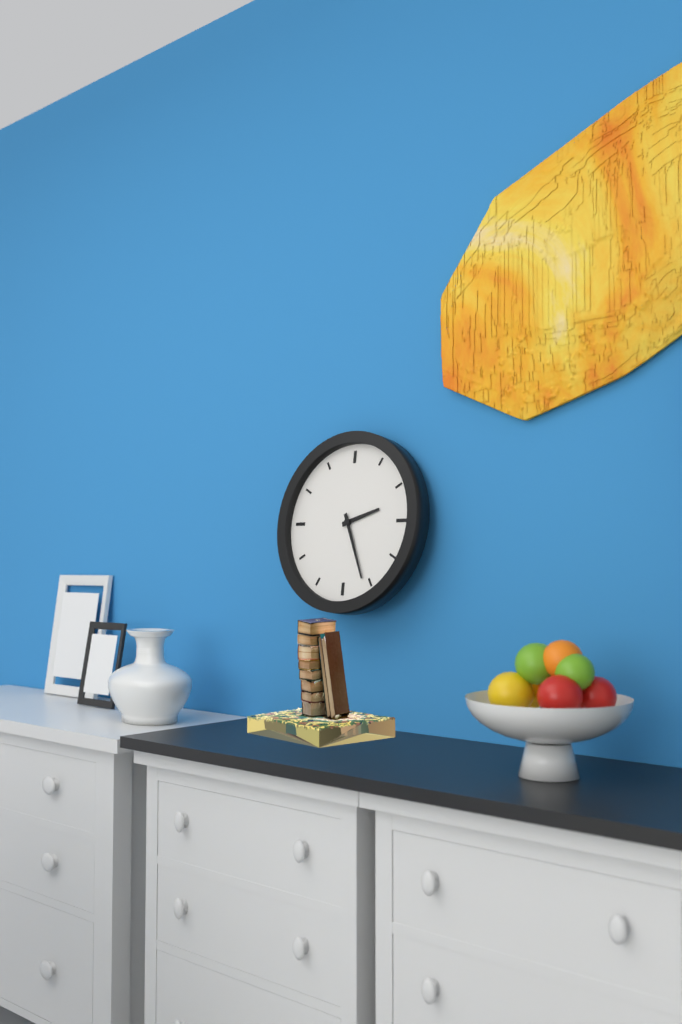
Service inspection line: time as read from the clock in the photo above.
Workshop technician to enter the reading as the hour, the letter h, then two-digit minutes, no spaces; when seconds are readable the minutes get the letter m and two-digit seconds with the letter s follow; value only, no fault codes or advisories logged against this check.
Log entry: 2h26
